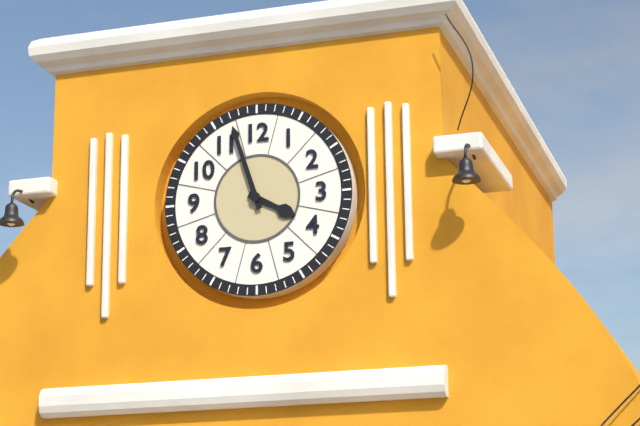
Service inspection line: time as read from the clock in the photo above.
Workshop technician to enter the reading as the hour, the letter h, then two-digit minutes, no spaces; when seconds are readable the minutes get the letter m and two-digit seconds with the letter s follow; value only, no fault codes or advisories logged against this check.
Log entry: 3h57
